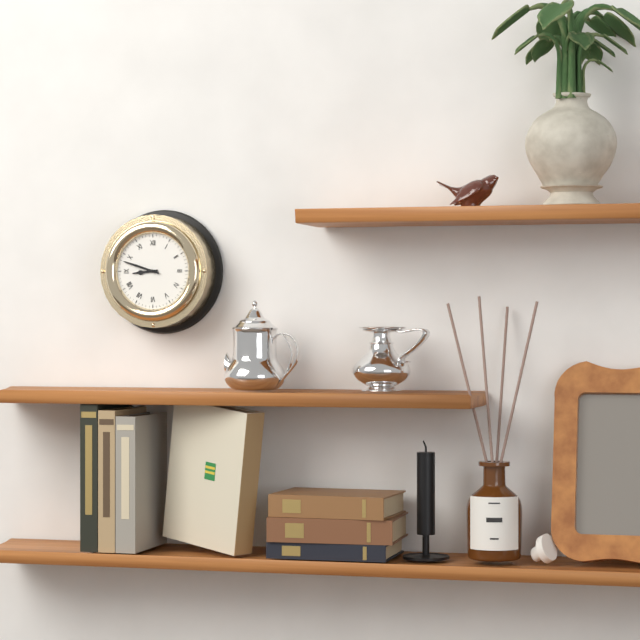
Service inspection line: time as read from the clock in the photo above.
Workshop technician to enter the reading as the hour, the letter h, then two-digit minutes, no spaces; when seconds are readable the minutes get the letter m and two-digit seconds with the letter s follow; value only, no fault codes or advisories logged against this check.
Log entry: 8h48
